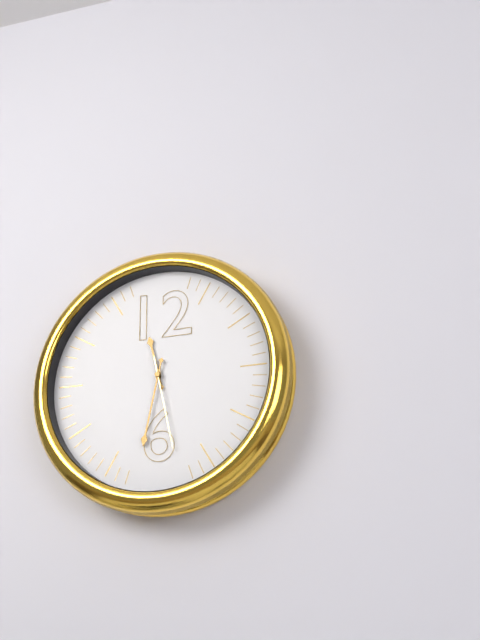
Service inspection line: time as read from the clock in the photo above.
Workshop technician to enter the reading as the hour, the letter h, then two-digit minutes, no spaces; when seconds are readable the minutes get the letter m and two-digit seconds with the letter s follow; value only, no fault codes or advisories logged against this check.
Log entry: 11h32m28s
